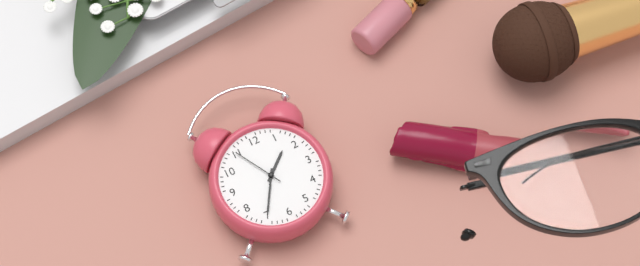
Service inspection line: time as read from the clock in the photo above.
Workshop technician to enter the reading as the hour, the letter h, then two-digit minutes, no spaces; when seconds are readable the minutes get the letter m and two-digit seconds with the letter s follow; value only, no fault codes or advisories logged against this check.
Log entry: 1h35m55s
